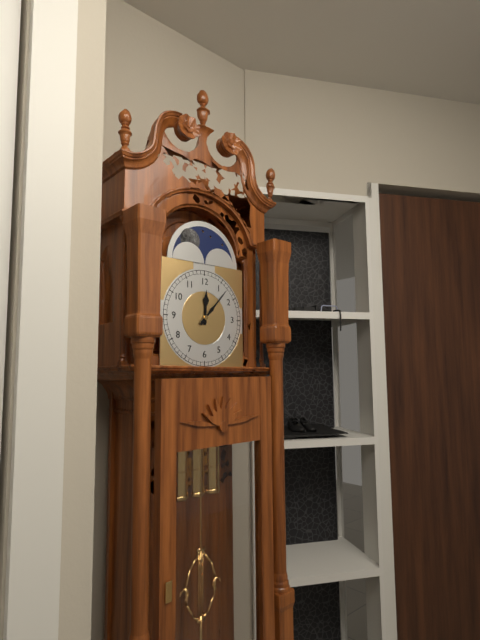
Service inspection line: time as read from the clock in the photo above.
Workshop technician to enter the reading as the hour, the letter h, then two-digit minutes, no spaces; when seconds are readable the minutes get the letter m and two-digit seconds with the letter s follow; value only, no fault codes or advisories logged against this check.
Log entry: 12h07
